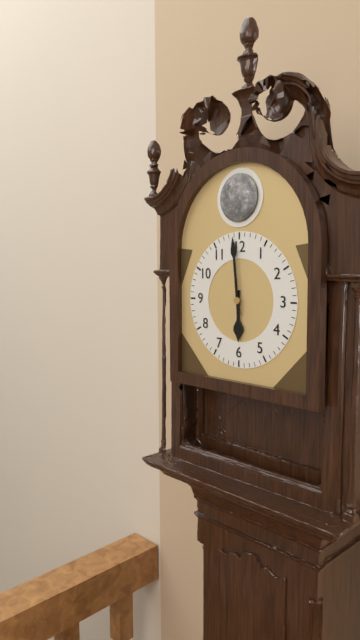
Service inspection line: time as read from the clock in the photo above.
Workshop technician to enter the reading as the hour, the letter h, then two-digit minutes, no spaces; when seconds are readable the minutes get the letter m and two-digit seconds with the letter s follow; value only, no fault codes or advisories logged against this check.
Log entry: 5h59
